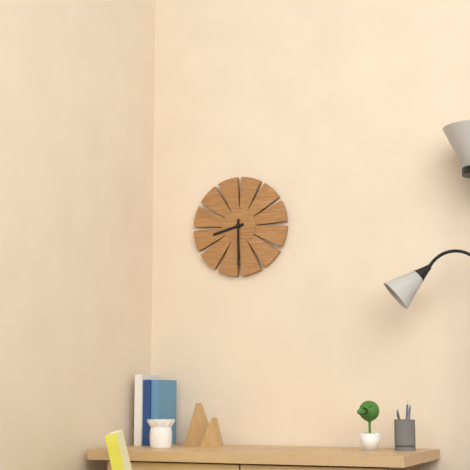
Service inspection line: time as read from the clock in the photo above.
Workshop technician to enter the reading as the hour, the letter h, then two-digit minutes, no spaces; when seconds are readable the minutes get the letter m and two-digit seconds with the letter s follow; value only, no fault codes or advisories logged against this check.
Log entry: 8h30
